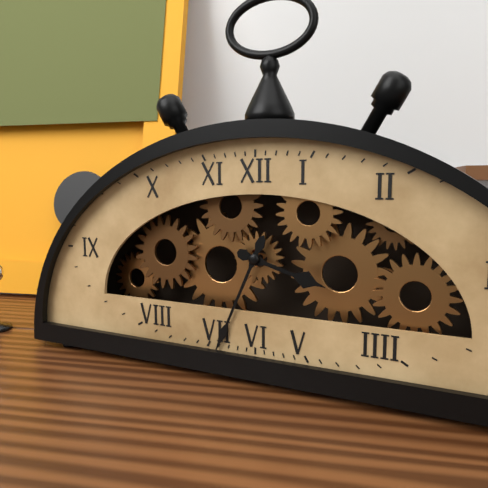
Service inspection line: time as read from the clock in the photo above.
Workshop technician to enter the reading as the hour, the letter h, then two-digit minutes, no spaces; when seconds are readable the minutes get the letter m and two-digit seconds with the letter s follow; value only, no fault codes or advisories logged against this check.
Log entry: 3h34
